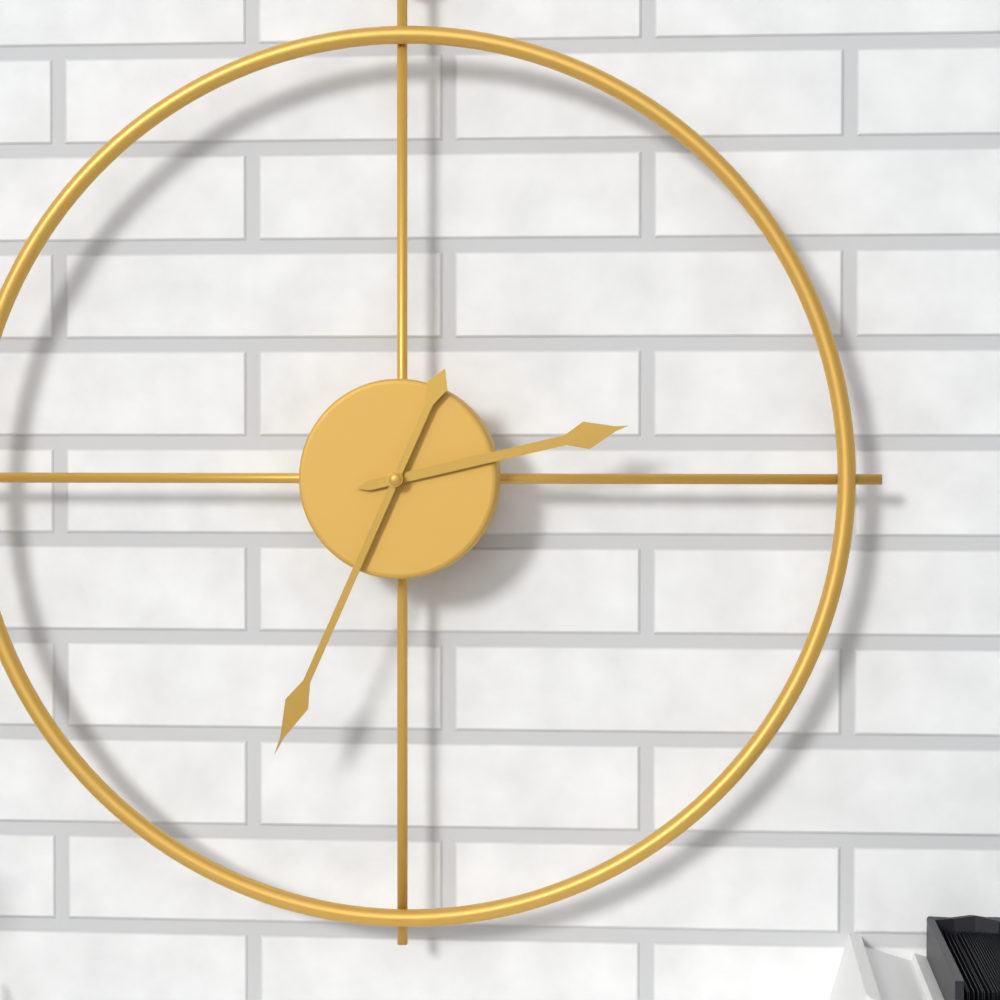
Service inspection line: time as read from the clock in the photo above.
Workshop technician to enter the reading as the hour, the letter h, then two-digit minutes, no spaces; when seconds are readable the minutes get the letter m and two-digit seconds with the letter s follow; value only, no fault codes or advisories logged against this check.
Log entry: 2h34
